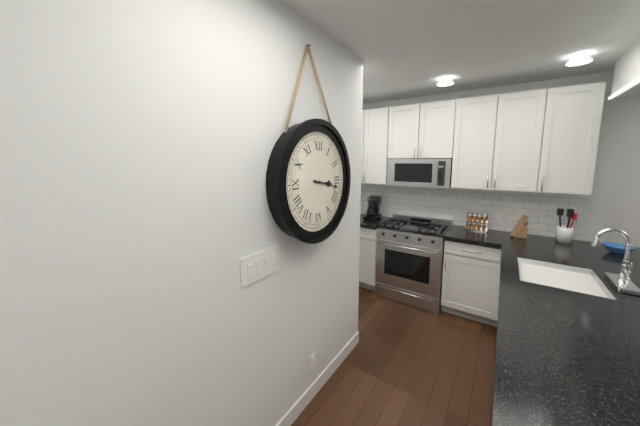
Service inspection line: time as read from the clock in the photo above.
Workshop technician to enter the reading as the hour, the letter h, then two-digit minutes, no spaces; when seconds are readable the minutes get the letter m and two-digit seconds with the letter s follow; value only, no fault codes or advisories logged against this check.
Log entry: 3h17
